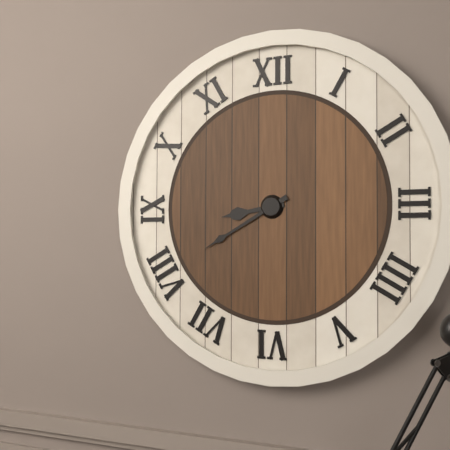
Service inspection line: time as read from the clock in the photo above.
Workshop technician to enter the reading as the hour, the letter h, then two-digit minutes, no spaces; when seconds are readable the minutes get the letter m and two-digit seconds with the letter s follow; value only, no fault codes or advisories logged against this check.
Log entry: 8h40
